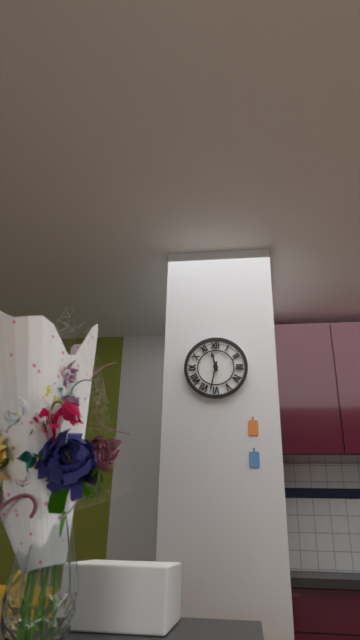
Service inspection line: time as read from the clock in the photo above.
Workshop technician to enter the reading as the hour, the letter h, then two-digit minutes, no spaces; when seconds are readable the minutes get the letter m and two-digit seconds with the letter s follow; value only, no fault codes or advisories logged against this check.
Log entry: 11h32
